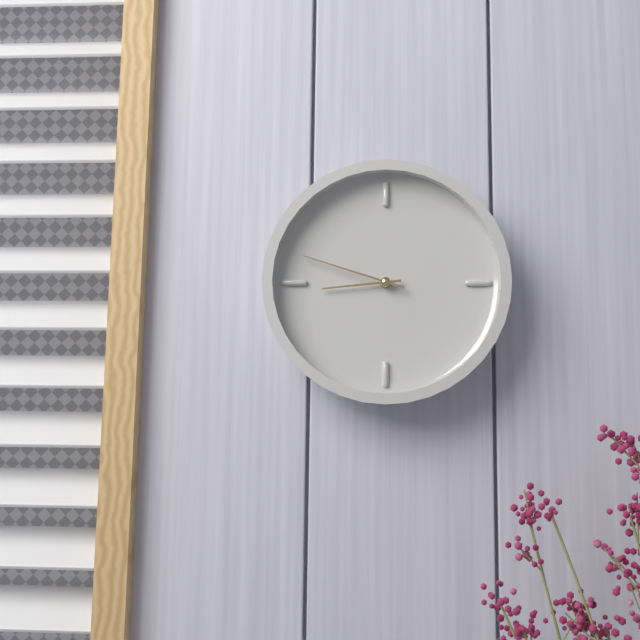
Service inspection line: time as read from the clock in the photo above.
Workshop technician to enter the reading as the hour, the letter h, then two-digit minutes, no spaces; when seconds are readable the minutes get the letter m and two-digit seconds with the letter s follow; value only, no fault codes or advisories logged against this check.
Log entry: 8h48
